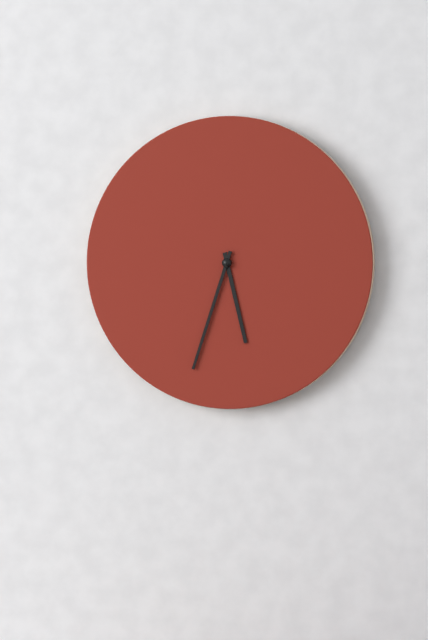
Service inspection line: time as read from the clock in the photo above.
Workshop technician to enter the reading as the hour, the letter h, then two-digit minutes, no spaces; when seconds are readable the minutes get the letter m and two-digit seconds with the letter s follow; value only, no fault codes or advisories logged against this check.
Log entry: 5h33
